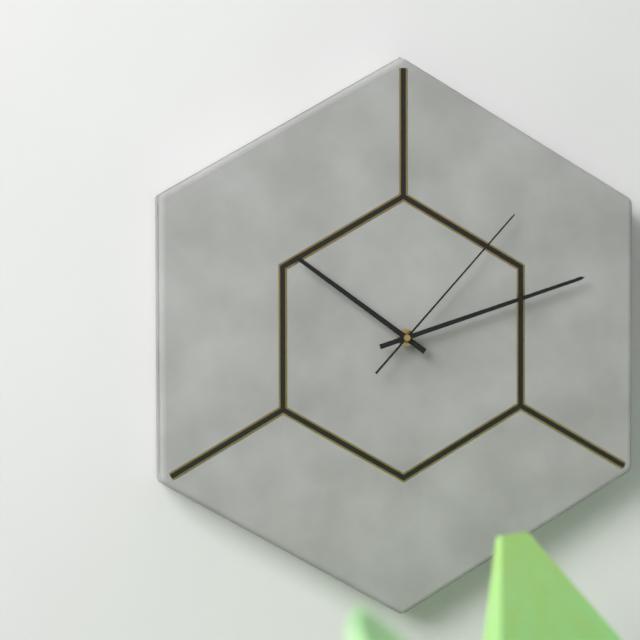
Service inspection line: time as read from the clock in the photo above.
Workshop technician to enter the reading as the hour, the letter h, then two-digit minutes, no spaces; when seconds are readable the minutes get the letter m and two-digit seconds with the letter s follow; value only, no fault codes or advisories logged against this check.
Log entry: 10h12m07s
